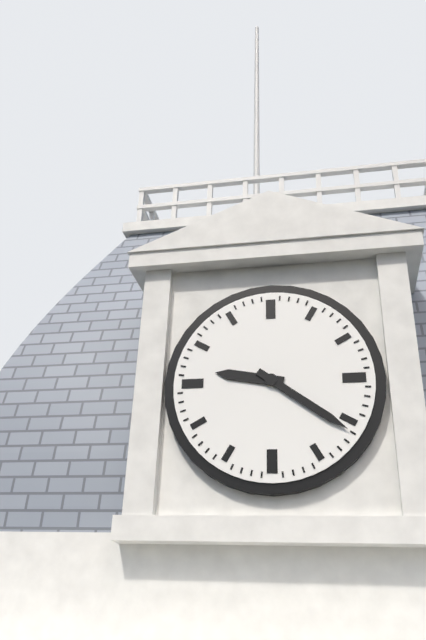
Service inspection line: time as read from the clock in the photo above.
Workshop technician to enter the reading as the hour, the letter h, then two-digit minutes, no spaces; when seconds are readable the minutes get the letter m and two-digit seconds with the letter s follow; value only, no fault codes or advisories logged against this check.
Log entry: 9h21
